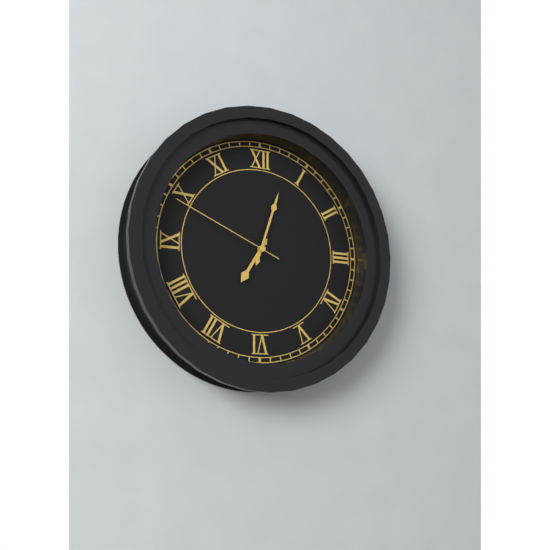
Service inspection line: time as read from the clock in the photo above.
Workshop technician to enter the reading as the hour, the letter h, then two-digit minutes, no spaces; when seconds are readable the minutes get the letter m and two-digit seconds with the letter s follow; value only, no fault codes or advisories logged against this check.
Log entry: 7h03m49s
